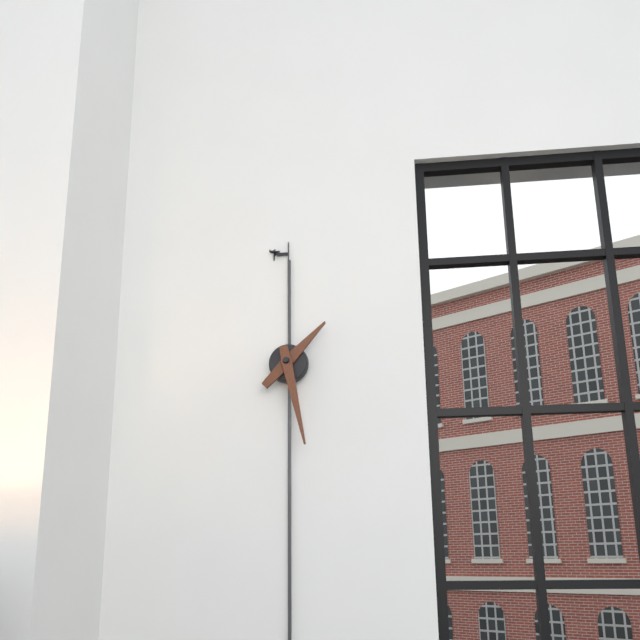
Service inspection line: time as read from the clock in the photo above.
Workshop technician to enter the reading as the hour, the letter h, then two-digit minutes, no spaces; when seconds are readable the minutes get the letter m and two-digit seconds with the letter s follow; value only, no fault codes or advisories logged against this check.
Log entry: 1h28
